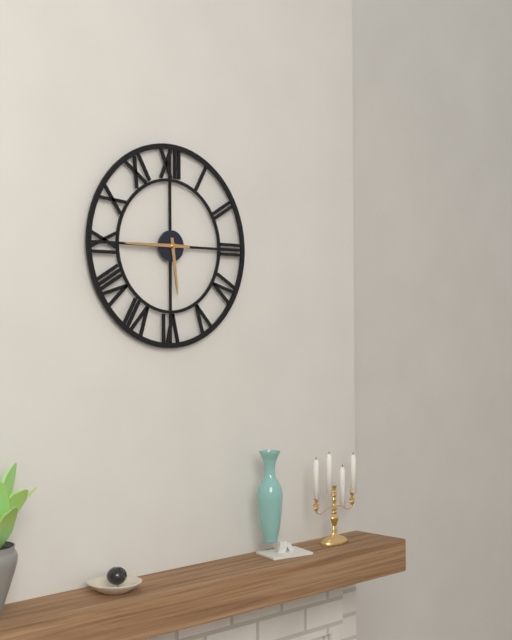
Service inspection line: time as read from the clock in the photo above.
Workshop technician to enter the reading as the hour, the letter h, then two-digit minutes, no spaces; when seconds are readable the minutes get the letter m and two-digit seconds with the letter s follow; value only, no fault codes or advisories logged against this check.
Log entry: 5h45
